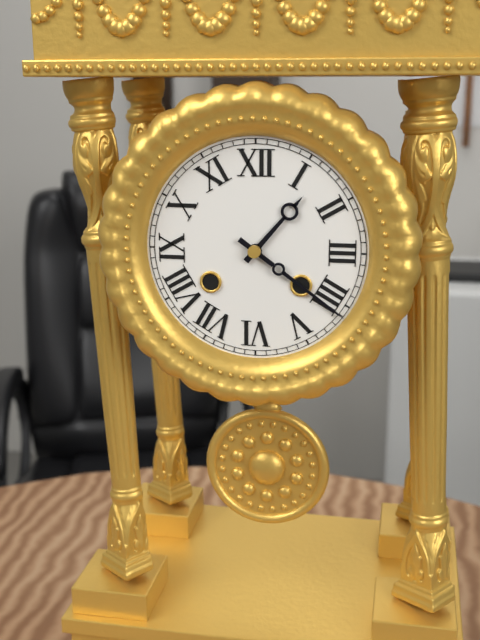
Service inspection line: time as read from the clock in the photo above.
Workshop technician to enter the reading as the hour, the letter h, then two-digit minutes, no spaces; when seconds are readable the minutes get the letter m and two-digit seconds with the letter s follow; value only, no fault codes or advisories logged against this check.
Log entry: 1h21
